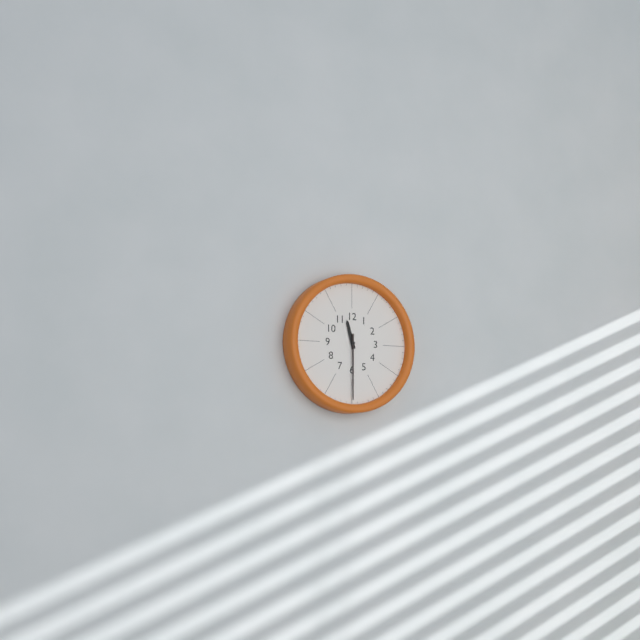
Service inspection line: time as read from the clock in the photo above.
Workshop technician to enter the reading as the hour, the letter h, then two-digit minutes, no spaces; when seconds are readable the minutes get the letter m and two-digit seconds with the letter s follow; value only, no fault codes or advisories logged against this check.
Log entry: 11h30
